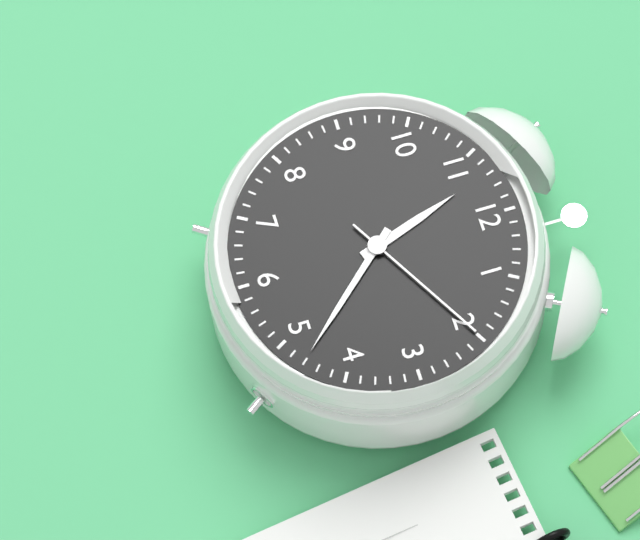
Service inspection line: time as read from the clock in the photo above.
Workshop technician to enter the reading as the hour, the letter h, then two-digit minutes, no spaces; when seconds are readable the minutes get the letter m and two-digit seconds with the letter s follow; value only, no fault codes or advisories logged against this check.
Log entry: 11h23m10s
